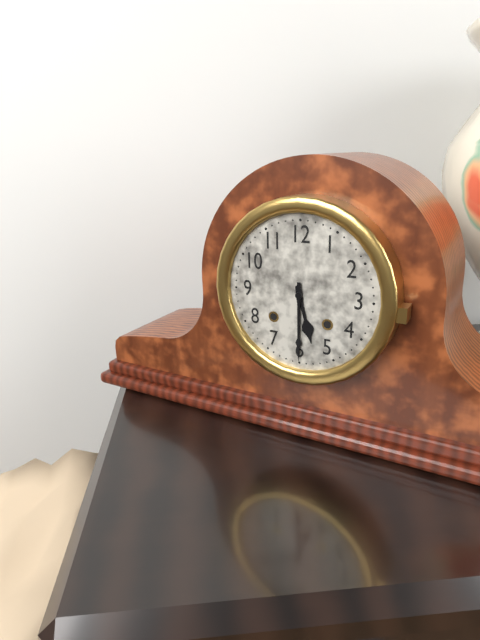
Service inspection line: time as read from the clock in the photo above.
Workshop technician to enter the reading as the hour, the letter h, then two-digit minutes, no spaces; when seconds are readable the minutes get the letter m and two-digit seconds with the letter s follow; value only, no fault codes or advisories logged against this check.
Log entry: 5h30
